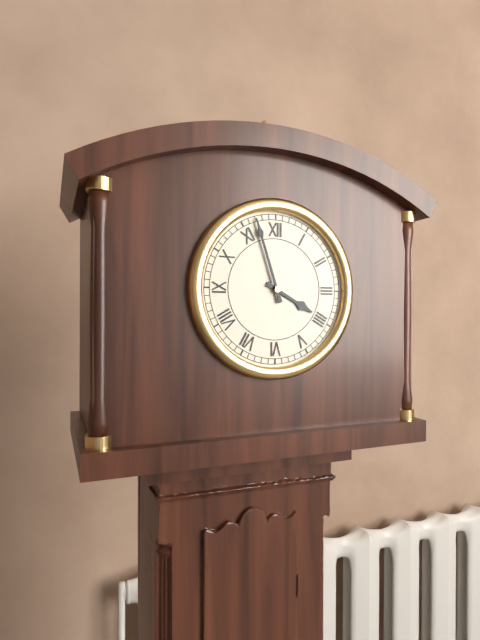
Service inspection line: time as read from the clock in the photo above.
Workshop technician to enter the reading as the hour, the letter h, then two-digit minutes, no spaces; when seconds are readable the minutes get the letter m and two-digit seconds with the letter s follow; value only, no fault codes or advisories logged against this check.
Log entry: 3h57
